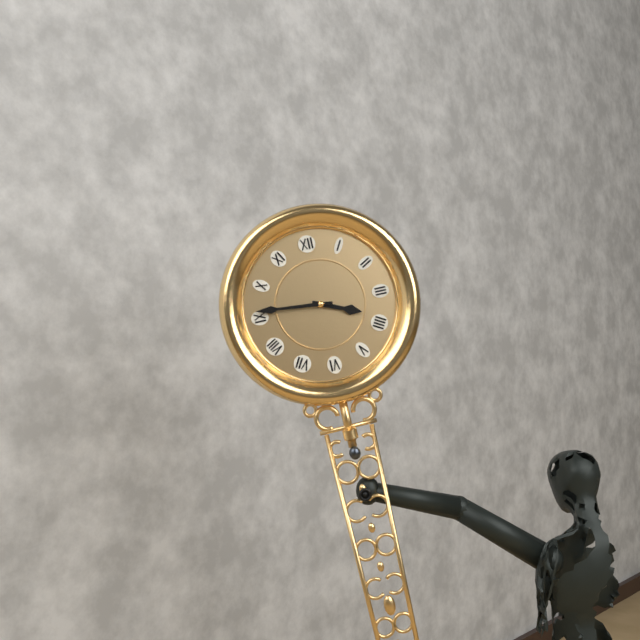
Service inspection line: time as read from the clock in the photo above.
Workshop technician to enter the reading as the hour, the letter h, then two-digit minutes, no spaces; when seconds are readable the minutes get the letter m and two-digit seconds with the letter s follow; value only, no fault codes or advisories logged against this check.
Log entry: 3h46
